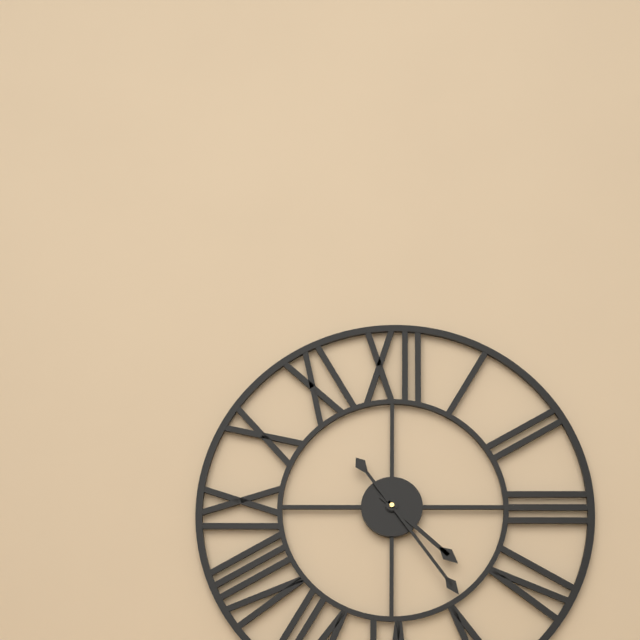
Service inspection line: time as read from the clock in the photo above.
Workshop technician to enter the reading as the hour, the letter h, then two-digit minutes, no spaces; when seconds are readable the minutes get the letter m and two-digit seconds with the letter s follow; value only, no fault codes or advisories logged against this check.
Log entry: 4h24
